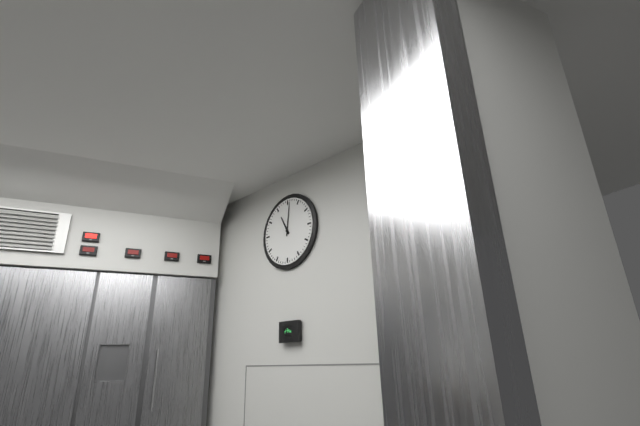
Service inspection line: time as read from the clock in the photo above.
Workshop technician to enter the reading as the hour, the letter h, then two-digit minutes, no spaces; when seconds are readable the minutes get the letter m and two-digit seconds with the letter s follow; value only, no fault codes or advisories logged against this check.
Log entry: 11h01
